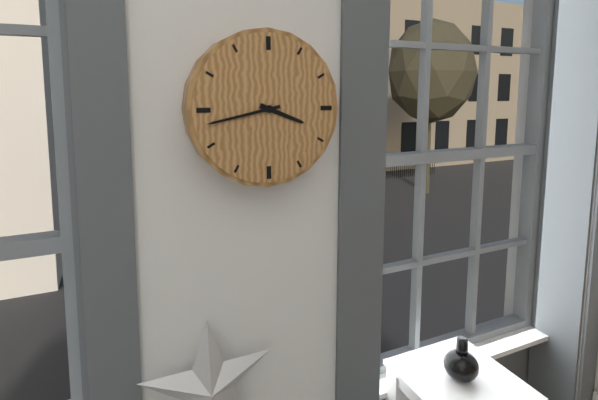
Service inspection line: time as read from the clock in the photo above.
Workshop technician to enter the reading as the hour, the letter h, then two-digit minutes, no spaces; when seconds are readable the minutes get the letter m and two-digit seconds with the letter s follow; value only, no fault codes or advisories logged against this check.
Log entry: 3h43
